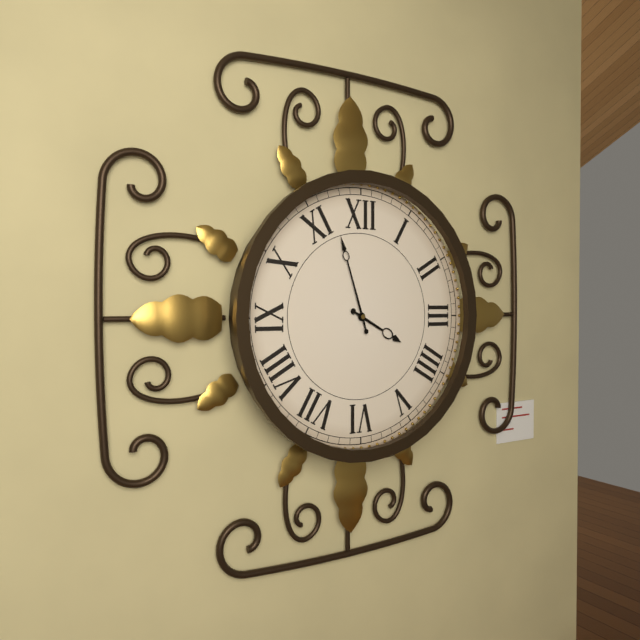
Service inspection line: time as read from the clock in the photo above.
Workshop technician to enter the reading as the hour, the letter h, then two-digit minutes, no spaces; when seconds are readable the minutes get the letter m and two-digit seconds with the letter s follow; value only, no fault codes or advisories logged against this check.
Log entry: 3h57
